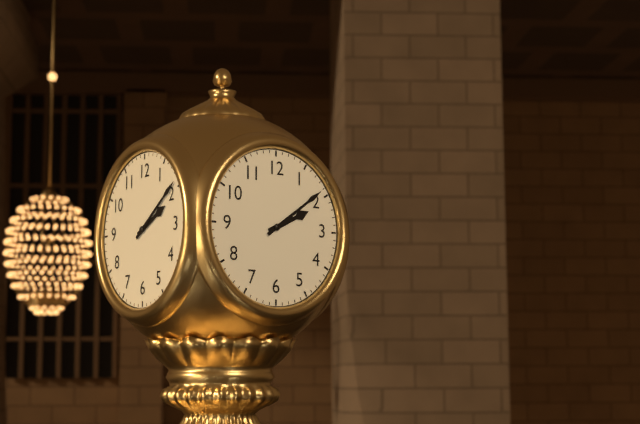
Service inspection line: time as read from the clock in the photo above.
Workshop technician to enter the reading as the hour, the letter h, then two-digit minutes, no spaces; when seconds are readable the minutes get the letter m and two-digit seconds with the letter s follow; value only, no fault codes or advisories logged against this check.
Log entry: 2h09
